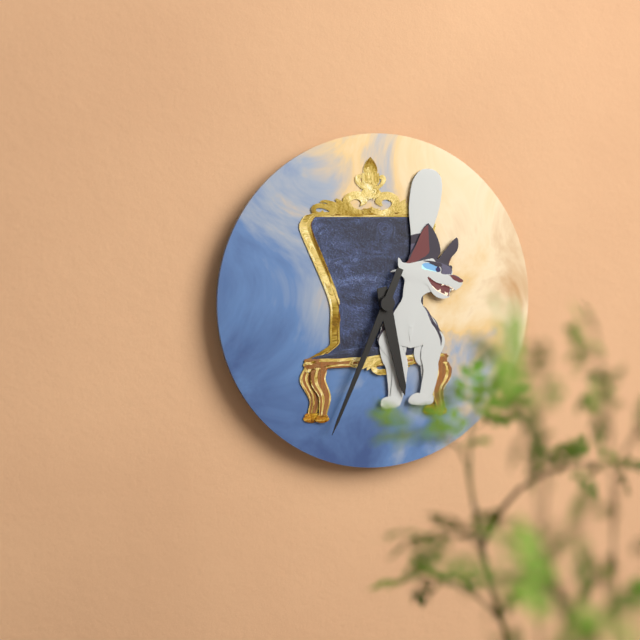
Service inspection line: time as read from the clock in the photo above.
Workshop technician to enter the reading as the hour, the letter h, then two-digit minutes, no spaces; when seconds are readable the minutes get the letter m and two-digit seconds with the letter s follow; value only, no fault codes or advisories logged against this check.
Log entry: 5h34
